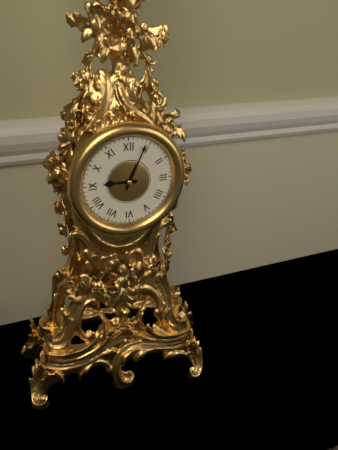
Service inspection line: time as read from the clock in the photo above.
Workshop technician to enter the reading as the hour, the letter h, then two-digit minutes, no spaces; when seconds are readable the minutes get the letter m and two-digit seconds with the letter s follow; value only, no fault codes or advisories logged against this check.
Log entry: 9h04
